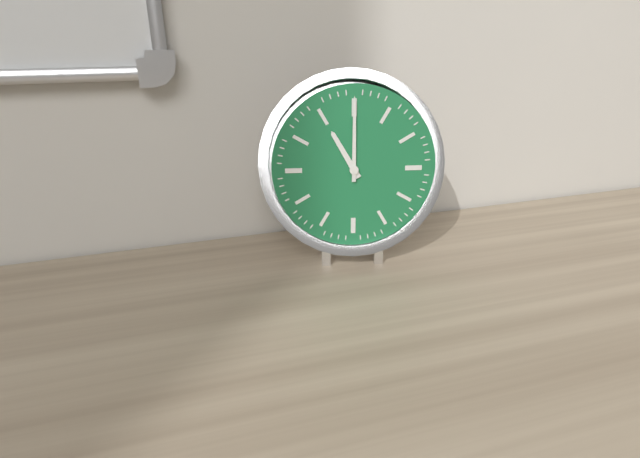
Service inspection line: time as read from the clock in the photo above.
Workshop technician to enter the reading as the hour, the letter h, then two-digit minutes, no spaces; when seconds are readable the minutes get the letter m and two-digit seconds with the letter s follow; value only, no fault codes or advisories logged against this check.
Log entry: 11h00
